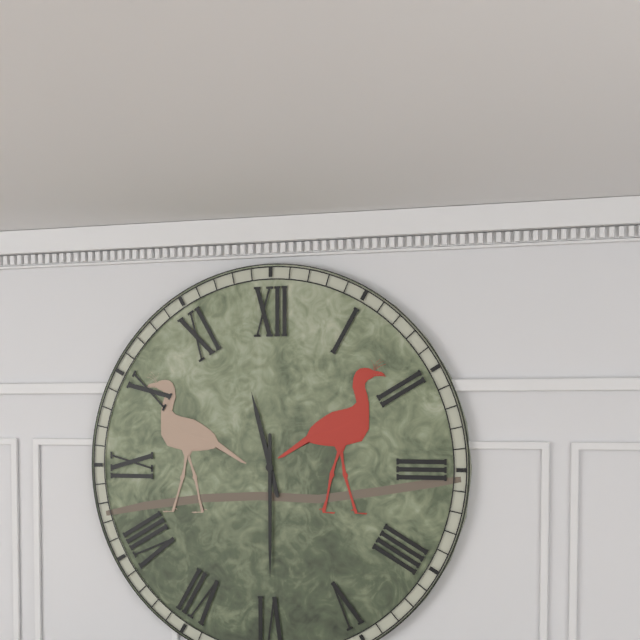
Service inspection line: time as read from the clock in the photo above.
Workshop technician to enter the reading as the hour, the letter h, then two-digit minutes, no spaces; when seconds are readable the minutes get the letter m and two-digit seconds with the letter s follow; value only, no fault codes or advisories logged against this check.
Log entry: 11h30
